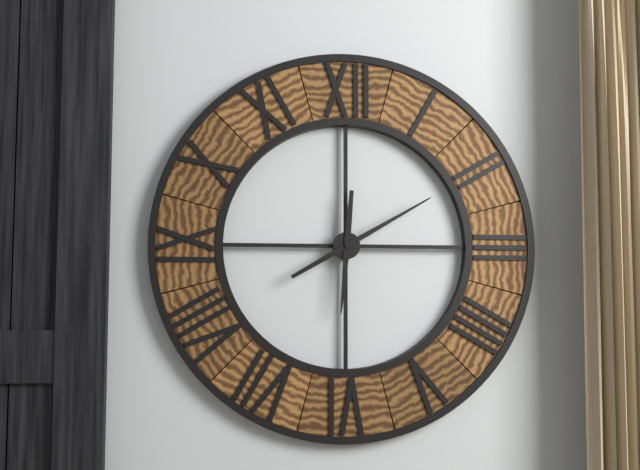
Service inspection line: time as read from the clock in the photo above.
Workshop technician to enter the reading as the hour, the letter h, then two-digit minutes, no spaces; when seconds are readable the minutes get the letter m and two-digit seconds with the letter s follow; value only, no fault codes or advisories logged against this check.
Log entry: 6h10
